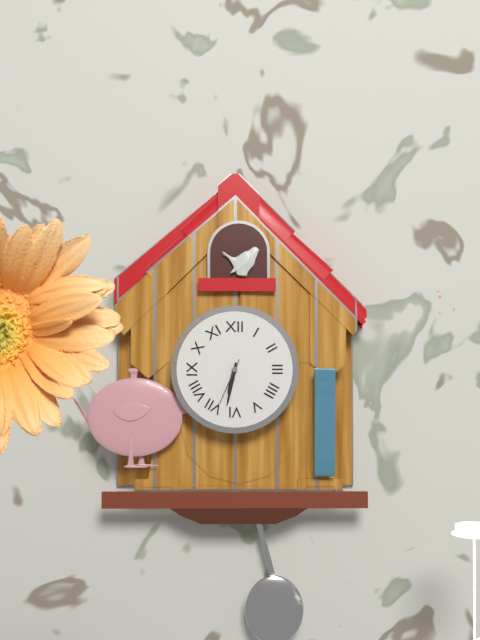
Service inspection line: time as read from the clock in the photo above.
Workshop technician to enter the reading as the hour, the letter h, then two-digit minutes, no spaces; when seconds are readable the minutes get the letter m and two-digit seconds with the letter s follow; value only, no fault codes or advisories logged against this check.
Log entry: 6h32m34s
